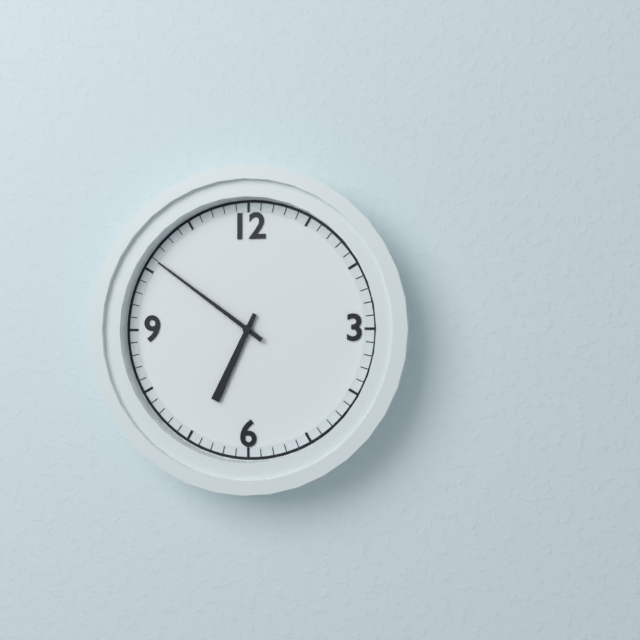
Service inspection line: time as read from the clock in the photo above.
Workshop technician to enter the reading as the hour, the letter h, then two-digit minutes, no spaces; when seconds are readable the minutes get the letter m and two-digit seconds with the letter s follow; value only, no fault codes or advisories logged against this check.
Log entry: 6h51
